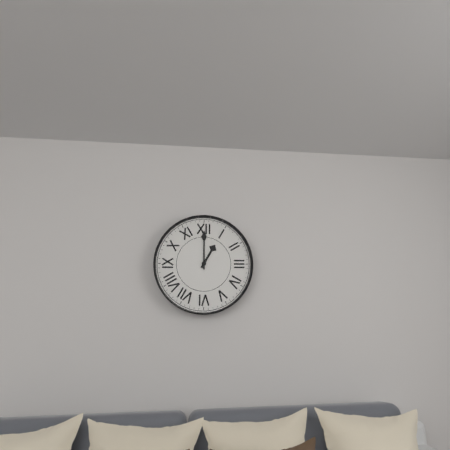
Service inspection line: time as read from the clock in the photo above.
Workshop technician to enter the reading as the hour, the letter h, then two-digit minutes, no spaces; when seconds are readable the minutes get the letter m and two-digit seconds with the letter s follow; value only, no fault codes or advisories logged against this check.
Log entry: 1h00
